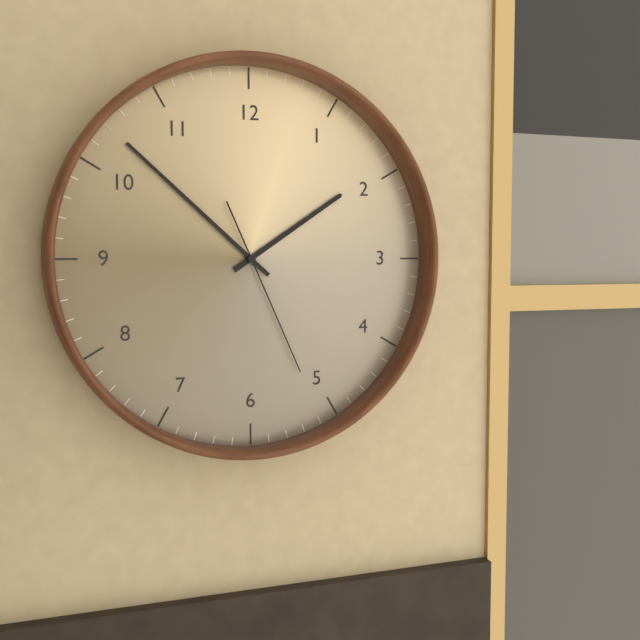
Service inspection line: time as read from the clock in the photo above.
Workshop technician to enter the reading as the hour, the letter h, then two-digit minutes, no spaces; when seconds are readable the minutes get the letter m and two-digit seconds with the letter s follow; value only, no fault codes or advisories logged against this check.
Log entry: 1h52m26s
